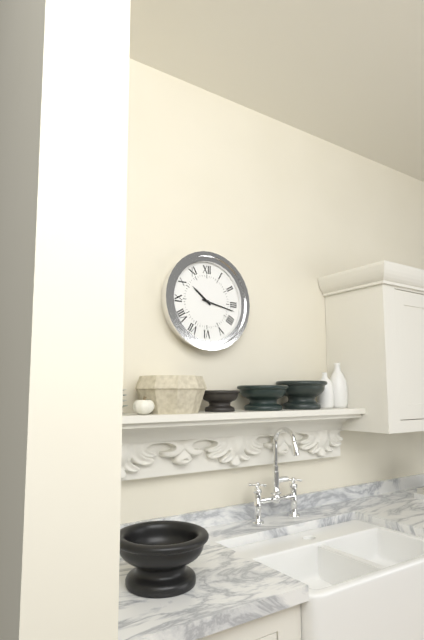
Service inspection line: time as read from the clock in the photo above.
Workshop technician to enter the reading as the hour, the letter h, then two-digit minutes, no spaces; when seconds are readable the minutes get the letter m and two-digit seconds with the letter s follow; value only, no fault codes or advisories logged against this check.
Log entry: 10h17
